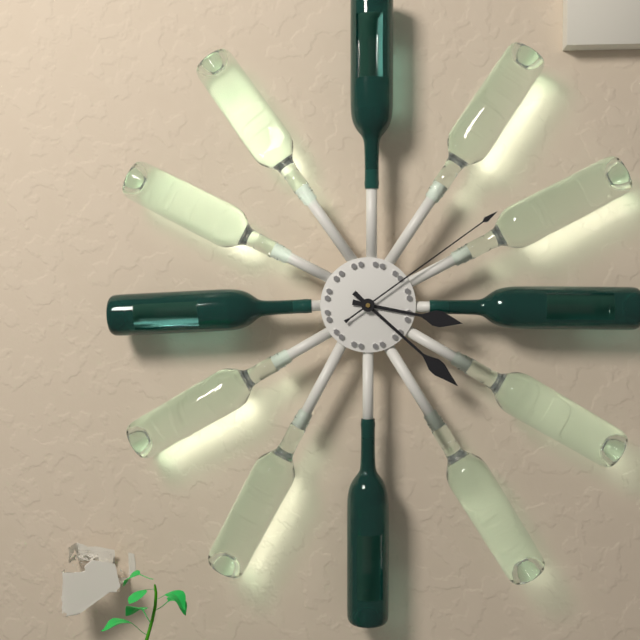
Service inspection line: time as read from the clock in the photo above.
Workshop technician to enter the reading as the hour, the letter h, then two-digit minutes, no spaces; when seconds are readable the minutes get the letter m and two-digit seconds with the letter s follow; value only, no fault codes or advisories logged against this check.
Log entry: 3h22m09s
